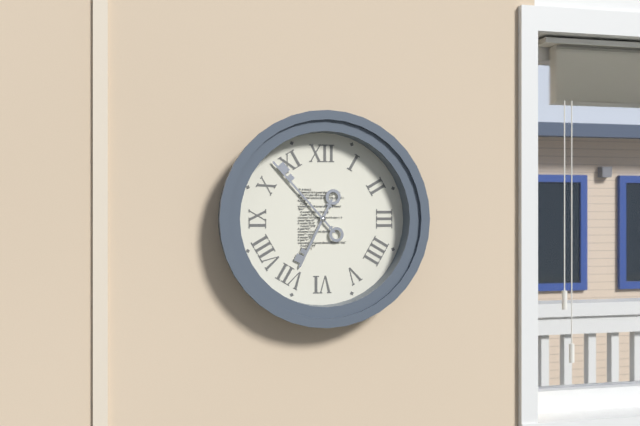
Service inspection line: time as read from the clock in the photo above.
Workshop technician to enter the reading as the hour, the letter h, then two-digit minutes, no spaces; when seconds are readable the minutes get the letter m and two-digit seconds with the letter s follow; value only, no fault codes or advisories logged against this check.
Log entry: 6h53
